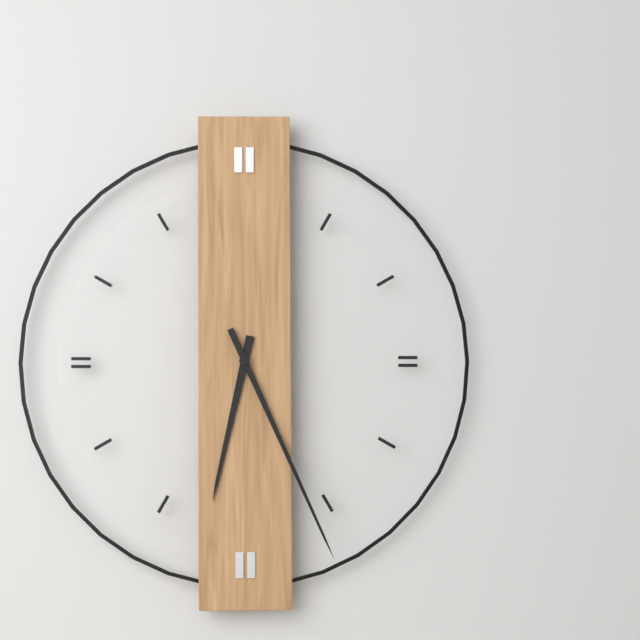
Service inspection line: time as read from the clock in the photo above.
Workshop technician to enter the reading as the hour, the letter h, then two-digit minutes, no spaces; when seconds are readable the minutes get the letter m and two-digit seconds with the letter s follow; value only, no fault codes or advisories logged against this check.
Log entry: 6h26
